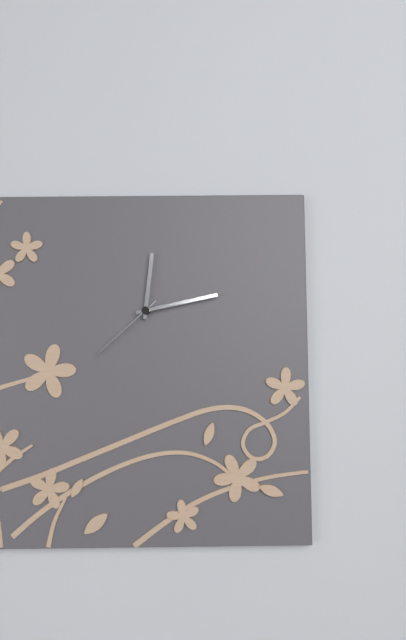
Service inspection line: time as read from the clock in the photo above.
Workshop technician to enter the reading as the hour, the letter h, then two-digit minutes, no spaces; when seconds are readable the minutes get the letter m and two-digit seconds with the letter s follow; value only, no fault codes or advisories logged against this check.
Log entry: 12h13m38s
